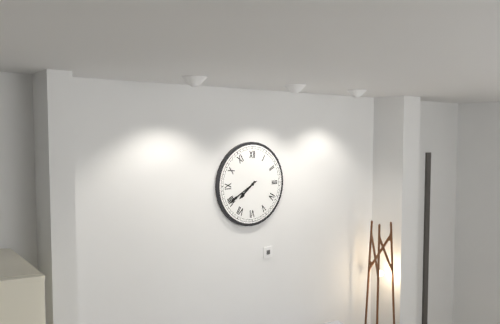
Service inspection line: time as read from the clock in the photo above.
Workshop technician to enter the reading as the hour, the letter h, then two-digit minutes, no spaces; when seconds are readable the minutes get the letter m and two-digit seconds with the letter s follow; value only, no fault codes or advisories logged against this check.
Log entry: 7h40
